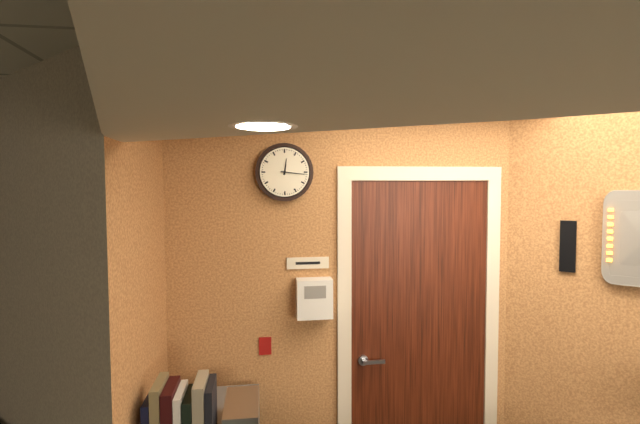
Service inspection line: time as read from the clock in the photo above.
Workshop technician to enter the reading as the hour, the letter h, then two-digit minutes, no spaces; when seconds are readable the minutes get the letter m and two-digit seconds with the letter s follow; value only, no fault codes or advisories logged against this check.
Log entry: 12h16
